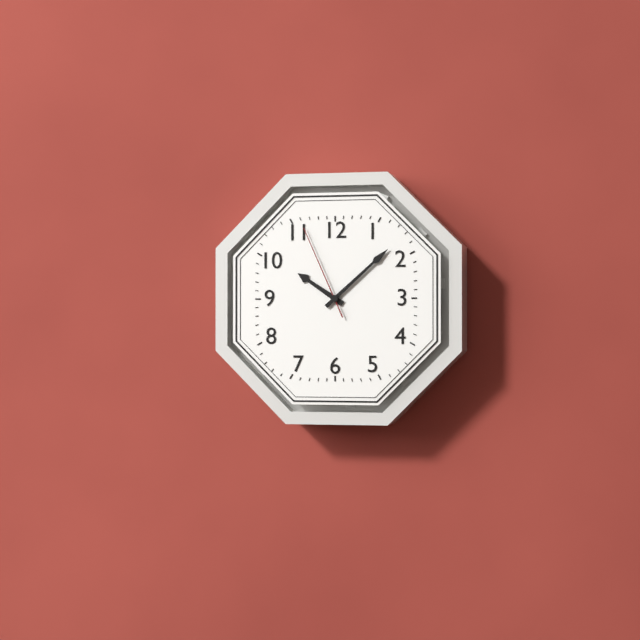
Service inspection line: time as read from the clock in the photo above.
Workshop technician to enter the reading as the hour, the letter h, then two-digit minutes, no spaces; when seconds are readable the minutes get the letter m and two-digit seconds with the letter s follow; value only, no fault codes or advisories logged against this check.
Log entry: 10h08m56s
